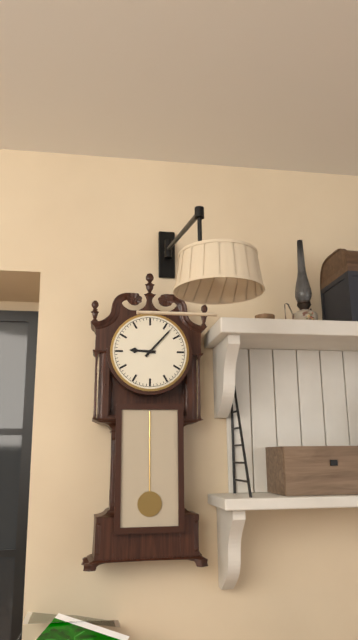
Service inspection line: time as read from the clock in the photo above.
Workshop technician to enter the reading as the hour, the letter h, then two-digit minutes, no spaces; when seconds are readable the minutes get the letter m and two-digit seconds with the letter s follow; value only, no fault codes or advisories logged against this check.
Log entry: 9h07
